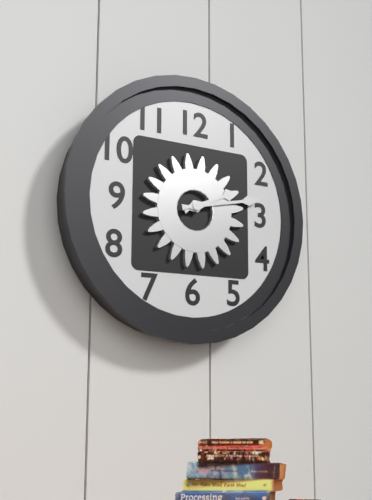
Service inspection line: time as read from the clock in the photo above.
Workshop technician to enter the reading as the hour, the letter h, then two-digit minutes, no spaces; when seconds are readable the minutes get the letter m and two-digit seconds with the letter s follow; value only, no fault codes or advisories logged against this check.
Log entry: 2h13
